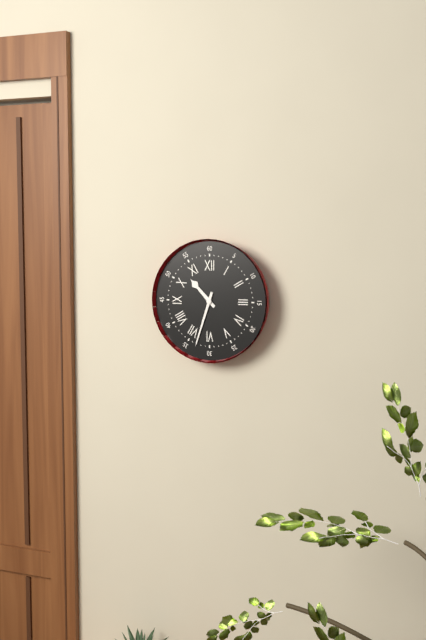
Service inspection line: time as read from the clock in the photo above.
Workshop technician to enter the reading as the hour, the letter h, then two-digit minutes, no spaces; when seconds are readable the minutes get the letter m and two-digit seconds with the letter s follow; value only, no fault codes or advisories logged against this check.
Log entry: 10h33
